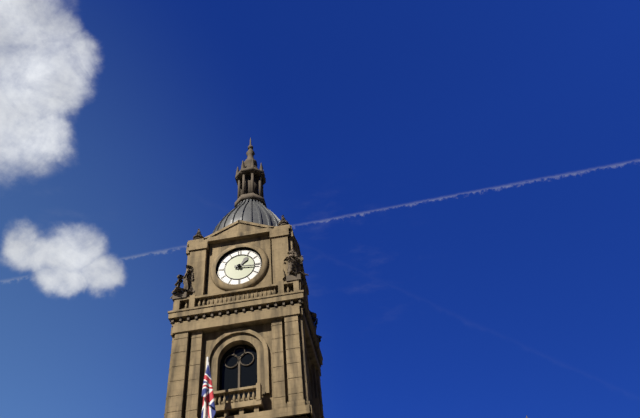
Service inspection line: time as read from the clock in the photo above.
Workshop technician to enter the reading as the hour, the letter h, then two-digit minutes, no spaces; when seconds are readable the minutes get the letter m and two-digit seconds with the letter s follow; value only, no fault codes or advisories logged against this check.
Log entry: 1h16
